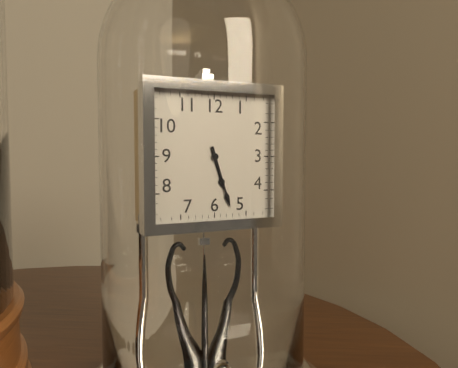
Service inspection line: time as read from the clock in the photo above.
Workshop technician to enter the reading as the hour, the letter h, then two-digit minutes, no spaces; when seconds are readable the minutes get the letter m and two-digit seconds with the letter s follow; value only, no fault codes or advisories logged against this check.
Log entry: 5h27
